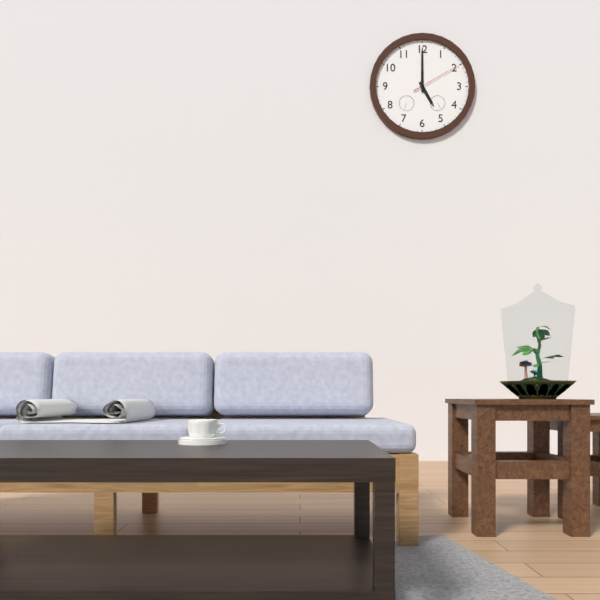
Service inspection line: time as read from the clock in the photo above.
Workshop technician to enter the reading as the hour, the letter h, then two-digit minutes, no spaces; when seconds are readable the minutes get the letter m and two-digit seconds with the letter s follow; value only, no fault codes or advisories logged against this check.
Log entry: 5h00m10s
